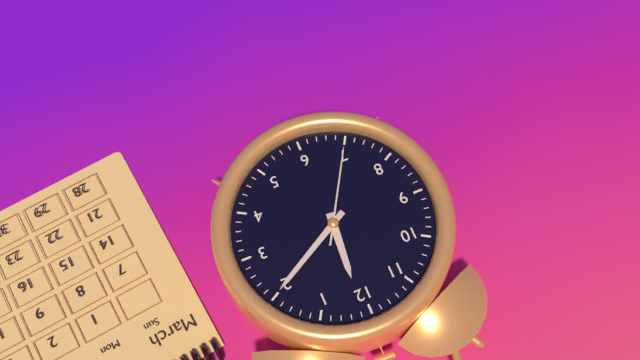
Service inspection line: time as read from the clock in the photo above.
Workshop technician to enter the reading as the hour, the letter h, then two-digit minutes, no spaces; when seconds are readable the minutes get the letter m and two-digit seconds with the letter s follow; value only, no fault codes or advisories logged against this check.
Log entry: 12h10m35s
